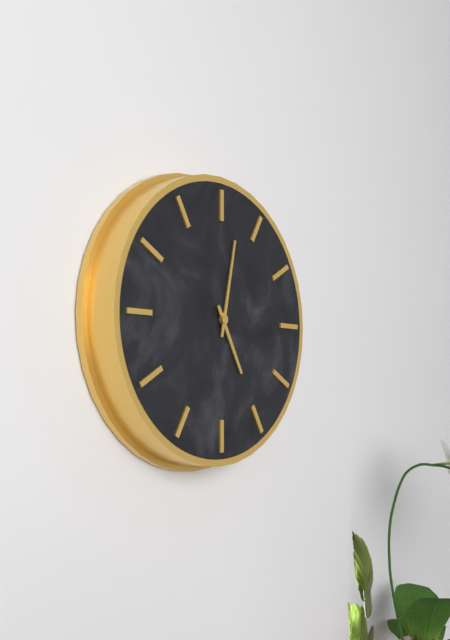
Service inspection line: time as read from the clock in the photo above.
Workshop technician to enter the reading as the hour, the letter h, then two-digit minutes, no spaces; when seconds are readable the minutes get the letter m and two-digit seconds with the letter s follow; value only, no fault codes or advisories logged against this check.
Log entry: 5h02
